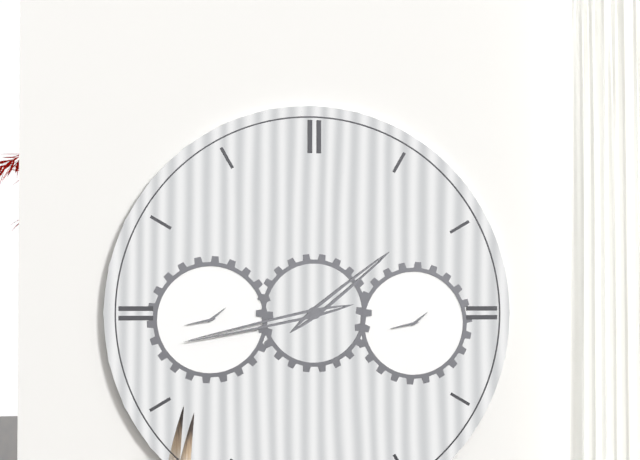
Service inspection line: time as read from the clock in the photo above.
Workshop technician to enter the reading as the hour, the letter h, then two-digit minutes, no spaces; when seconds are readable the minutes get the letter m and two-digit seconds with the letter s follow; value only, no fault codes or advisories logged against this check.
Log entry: 1h43
